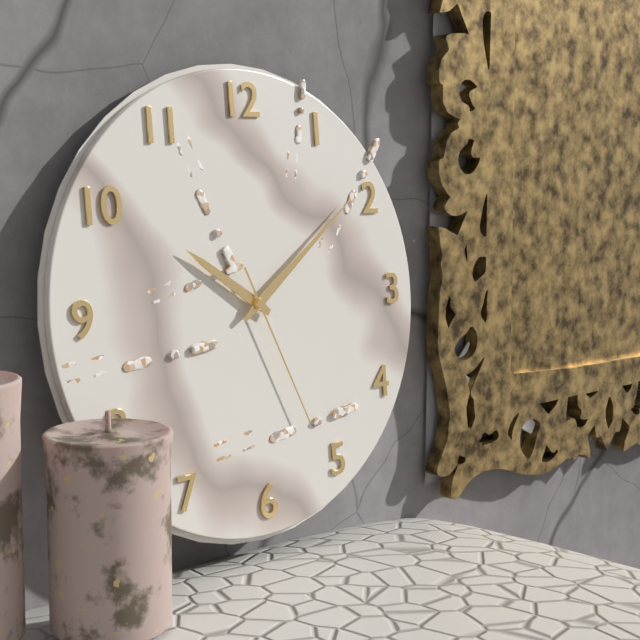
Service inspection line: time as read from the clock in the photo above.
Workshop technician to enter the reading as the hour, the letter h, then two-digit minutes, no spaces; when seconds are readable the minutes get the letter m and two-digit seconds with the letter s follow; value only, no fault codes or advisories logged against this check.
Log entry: 10h09m26s
